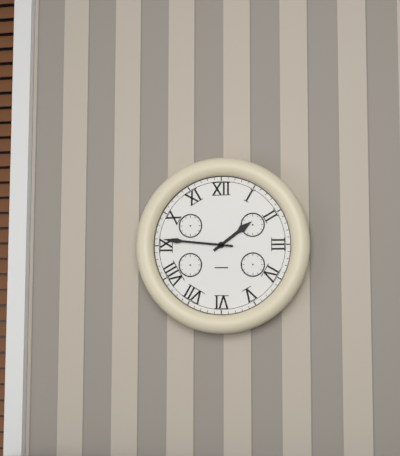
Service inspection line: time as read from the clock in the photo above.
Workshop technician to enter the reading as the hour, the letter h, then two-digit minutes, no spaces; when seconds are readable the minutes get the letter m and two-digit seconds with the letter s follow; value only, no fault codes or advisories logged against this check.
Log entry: 1h46
